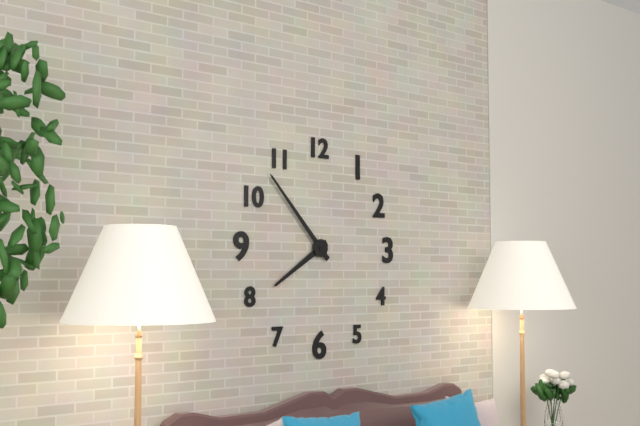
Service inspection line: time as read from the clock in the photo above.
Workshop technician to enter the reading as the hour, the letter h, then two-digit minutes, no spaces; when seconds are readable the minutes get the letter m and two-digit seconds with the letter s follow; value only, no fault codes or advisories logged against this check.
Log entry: 7h53
